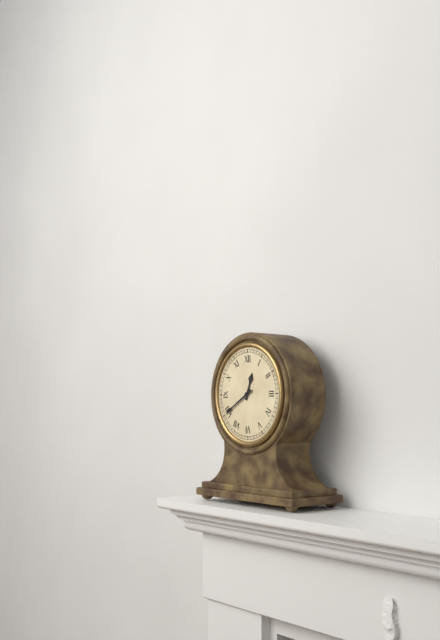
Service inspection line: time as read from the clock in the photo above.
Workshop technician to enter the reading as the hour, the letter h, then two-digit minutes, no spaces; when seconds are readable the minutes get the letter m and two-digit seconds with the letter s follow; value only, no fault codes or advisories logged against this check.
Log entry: 12h40
